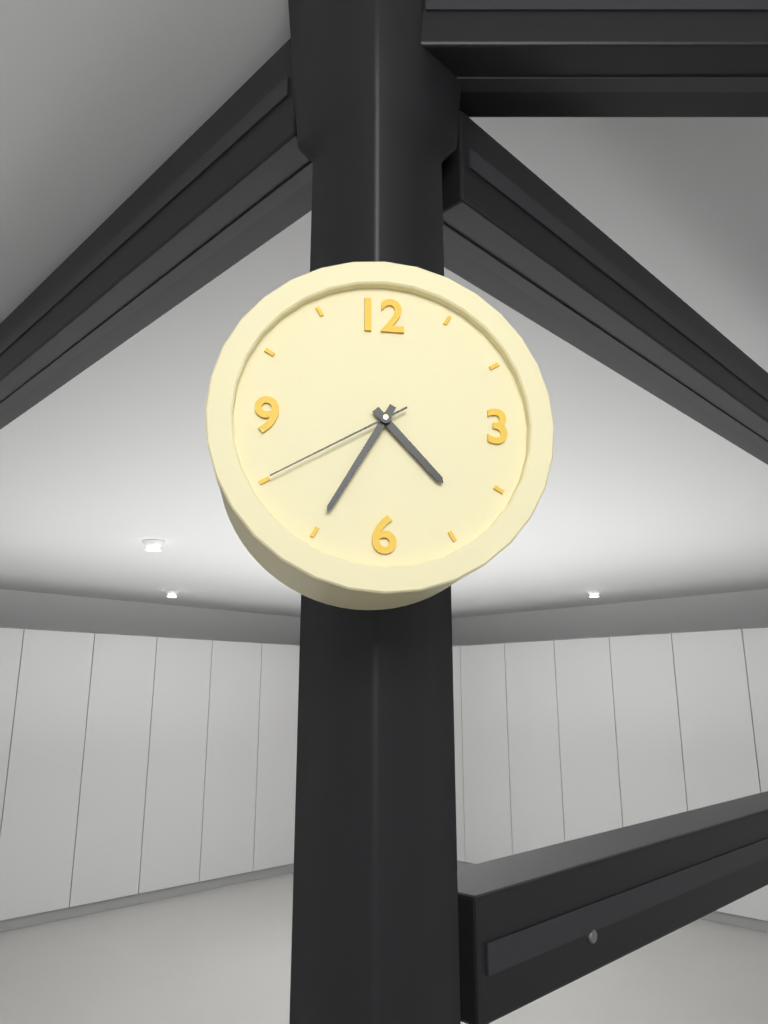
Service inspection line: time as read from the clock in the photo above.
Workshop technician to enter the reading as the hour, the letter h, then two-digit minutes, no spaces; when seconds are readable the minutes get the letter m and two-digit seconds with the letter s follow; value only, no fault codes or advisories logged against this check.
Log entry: 4h35m40s
